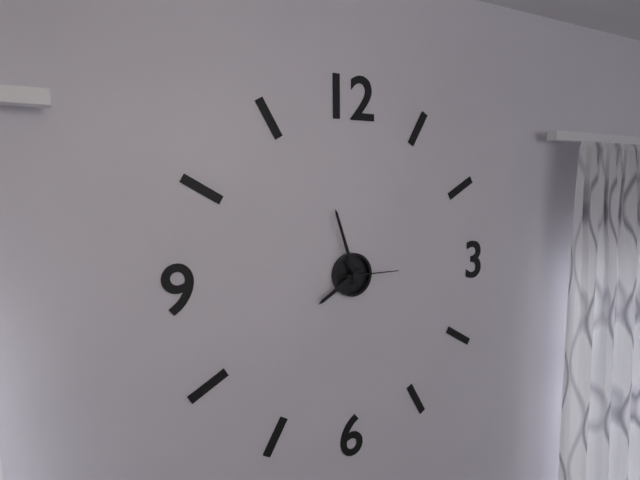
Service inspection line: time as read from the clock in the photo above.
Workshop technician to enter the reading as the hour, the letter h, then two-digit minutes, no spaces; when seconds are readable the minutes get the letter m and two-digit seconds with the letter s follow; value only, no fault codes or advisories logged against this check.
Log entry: 7h57m15s
